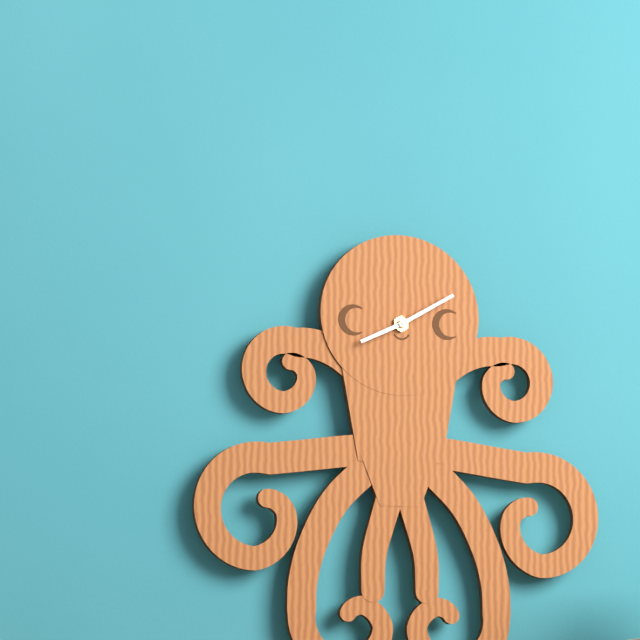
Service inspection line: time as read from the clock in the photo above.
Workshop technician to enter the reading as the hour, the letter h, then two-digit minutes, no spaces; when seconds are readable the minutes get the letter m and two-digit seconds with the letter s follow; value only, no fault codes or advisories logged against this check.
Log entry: 8h10
